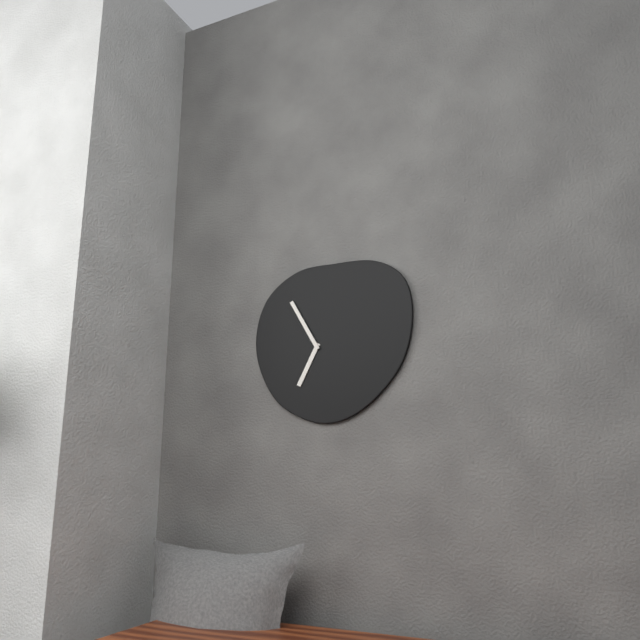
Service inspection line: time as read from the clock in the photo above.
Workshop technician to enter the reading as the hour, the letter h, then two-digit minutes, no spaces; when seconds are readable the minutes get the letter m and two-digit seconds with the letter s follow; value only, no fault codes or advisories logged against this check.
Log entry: 6h55
